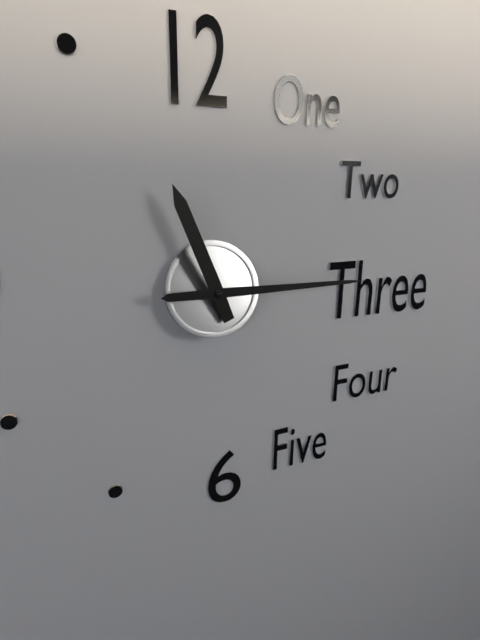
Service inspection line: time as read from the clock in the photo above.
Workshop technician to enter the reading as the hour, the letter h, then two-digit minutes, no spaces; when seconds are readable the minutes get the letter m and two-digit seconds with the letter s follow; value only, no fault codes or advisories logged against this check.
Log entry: 11h15
